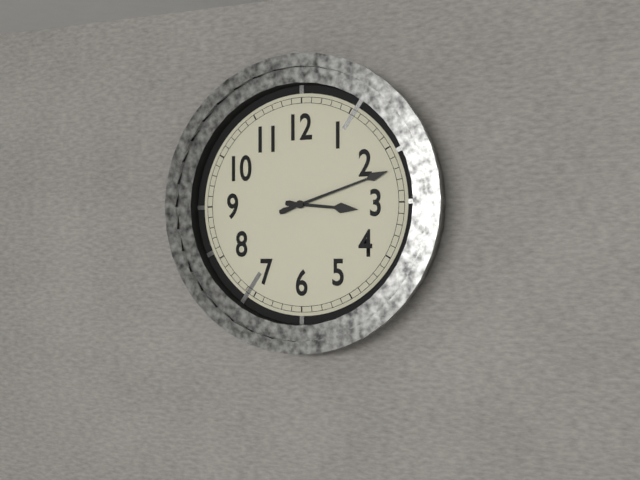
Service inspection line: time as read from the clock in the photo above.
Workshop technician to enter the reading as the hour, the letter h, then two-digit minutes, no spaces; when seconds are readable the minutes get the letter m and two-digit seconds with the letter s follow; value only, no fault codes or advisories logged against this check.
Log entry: 3h12
